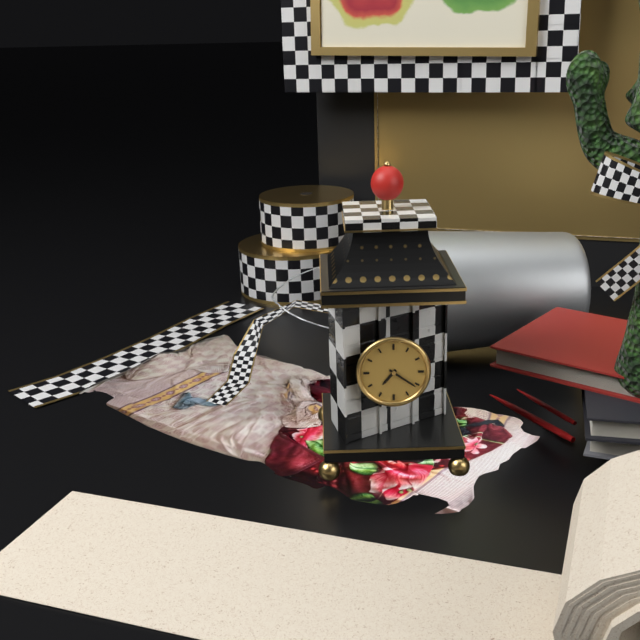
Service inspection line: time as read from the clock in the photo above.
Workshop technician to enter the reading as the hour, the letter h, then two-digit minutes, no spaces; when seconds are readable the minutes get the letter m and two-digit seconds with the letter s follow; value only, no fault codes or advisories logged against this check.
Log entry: 7h21
